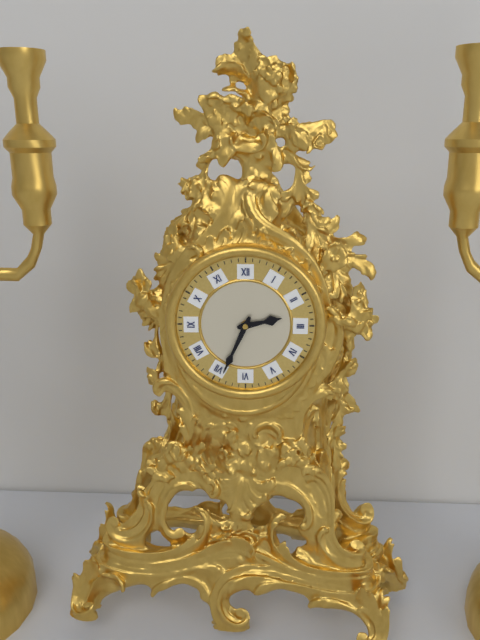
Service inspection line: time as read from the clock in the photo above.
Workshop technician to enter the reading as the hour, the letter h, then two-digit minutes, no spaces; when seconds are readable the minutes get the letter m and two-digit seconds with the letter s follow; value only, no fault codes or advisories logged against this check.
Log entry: 2h34
